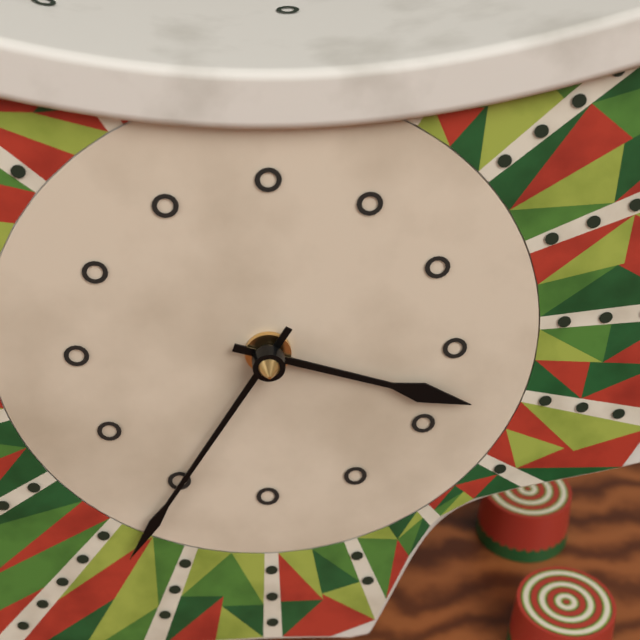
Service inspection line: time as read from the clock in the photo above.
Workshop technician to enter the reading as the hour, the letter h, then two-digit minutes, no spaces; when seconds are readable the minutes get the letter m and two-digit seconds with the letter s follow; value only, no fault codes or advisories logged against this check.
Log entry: 3h35
